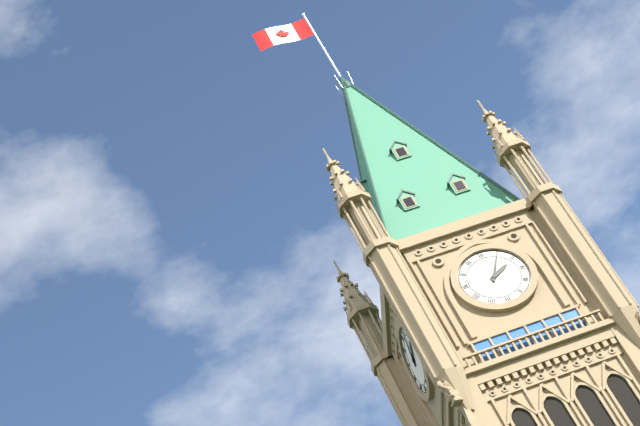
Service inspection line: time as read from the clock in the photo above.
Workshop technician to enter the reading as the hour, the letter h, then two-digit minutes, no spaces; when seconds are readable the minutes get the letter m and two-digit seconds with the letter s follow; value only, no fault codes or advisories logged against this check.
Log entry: 2h05
